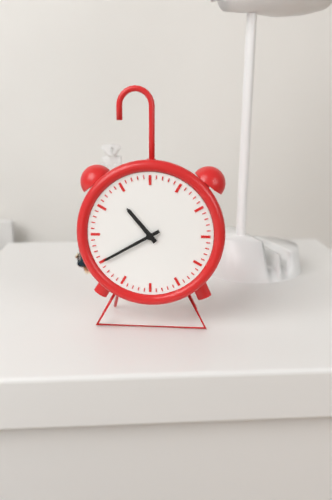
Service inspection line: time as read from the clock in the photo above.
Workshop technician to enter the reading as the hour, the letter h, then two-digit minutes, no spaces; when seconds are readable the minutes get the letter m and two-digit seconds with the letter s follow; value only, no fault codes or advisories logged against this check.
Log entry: 10h40
